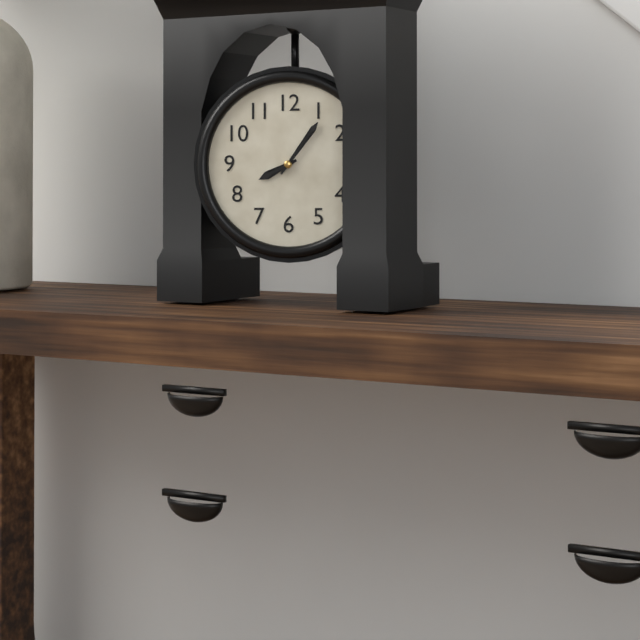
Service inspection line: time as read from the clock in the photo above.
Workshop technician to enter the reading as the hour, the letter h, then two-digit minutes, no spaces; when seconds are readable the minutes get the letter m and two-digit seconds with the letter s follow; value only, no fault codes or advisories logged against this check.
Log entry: 8h06
